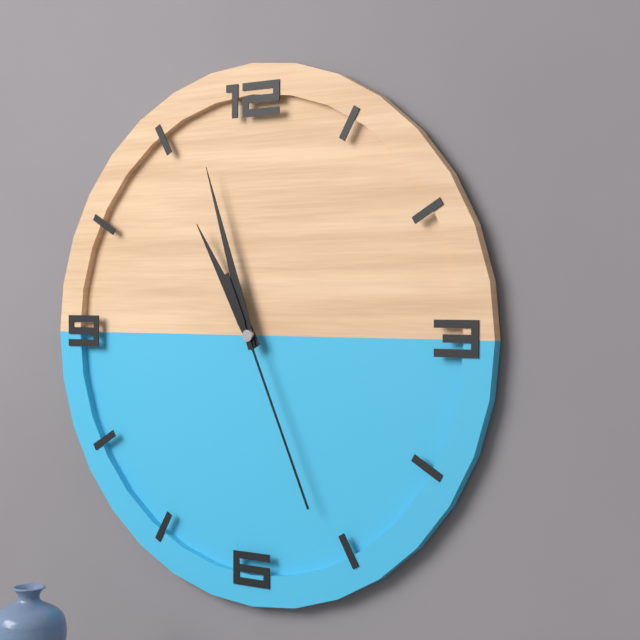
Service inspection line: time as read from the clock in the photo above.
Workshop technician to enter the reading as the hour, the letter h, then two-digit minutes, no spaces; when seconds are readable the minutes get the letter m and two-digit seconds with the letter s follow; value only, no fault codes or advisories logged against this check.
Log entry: 10h57m26s
